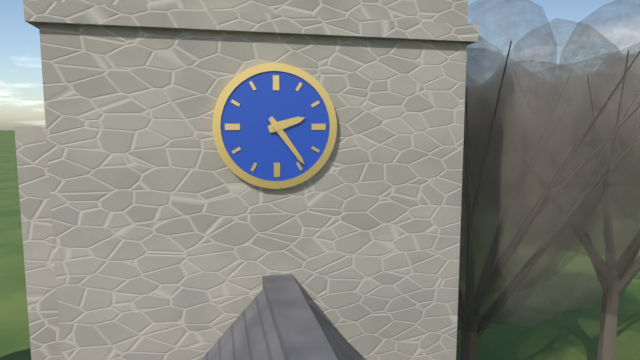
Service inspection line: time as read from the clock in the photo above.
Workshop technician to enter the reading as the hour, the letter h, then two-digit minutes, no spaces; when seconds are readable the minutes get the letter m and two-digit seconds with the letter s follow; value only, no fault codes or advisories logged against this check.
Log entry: 2h24
